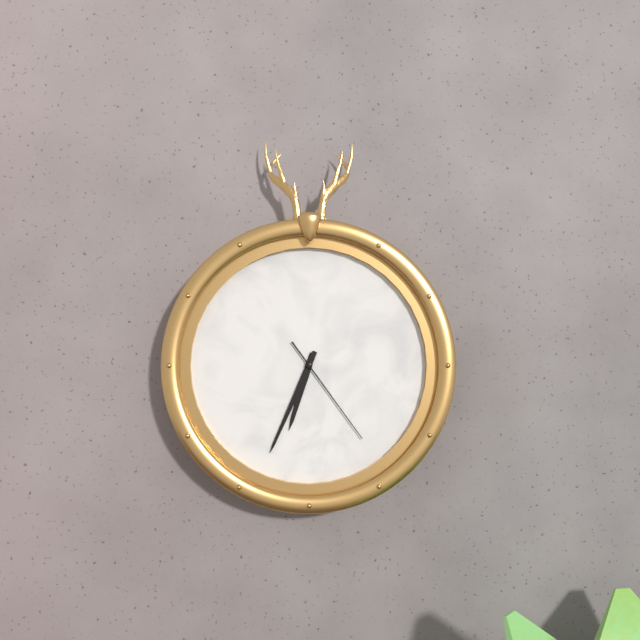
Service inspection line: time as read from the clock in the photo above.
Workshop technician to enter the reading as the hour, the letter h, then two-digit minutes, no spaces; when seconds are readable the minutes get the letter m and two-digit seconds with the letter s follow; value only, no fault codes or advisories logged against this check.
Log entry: 6h34m24s
